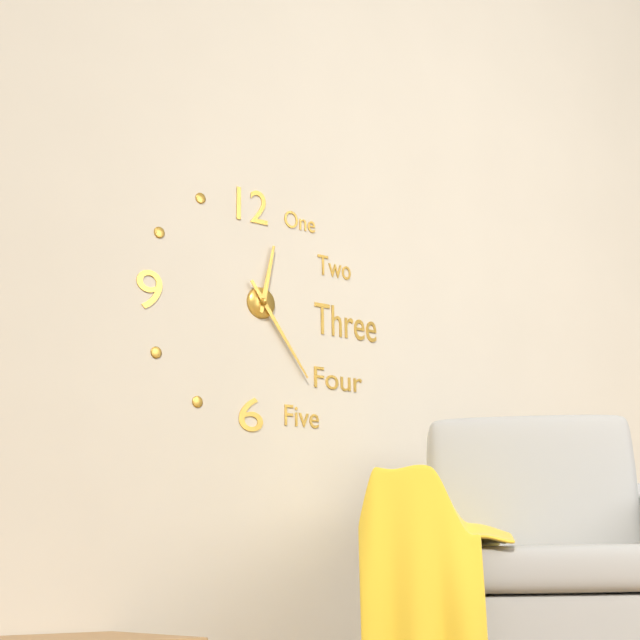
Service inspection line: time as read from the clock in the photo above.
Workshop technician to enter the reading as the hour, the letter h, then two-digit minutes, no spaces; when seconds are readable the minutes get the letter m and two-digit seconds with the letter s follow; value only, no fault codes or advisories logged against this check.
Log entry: 12h24
